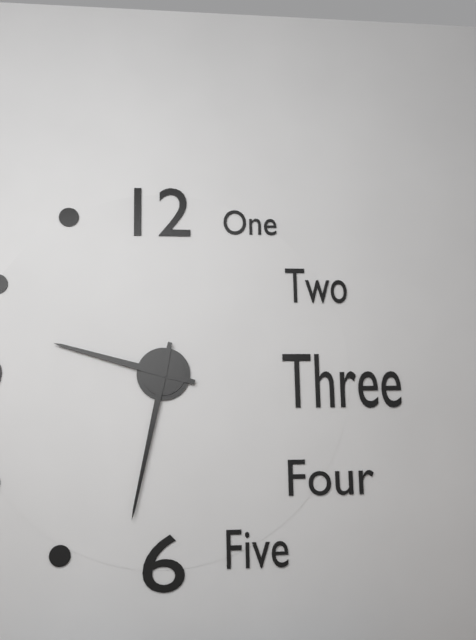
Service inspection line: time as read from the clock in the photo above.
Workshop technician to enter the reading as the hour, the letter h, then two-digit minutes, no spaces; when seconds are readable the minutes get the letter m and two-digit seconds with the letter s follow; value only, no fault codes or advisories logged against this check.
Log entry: 9h32
